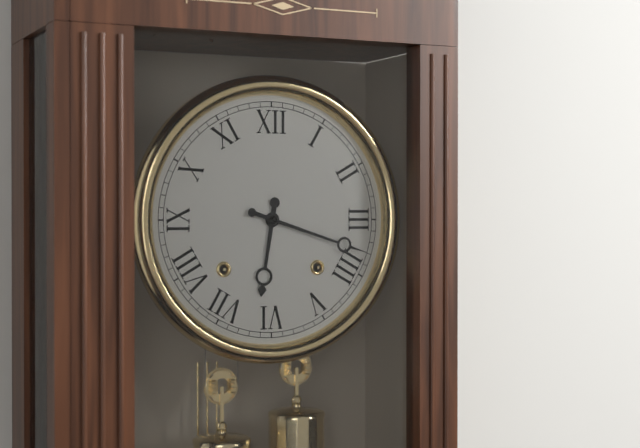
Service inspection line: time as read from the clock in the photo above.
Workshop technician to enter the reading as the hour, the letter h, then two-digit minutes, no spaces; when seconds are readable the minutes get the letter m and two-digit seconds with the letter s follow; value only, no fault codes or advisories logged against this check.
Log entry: 6h18
